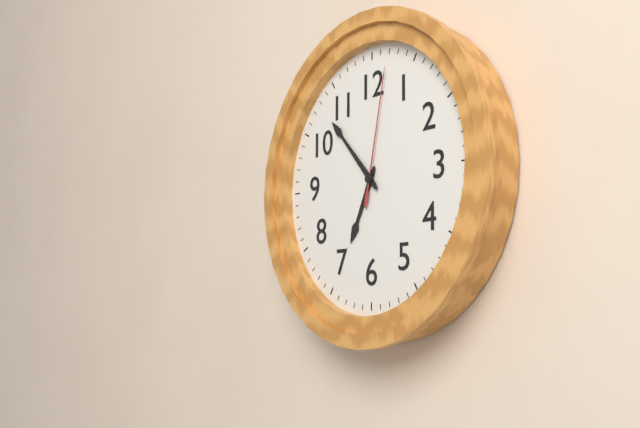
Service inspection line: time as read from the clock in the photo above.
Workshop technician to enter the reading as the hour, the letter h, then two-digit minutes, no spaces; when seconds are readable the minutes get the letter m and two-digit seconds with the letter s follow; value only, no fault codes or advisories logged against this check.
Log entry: 6h53m02s
